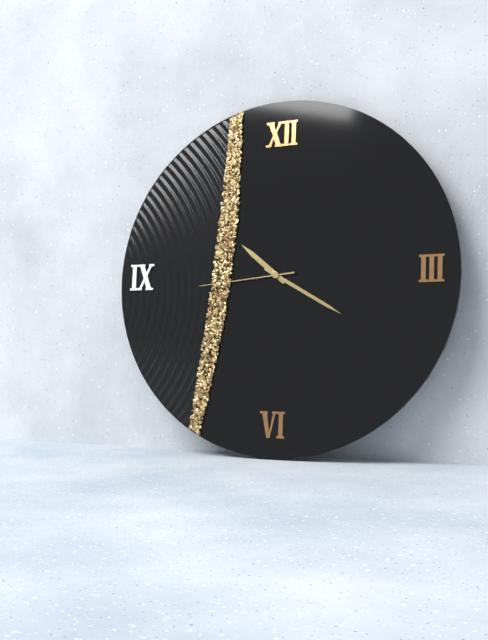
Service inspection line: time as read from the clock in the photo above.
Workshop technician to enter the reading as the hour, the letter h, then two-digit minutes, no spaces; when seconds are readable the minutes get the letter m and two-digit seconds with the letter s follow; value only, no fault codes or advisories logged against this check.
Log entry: 10h20m44s
